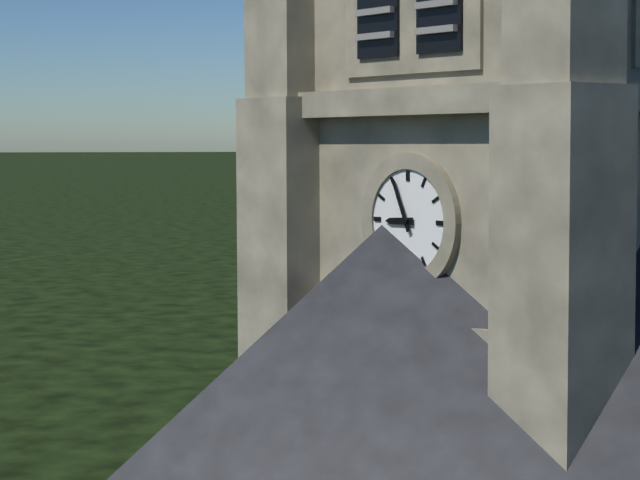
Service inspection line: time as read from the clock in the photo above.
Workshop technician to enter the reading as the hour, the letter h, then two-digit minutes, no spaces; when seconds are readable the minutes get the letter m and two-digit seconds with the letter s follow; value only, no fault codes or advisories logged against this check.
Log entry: 8h56
